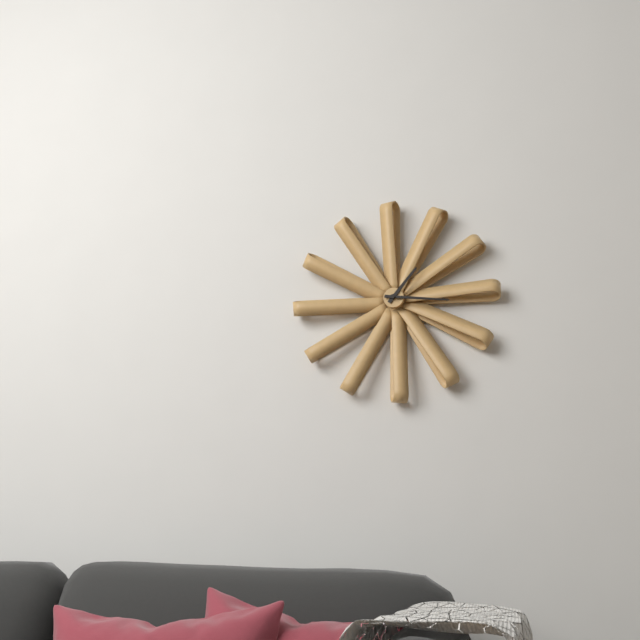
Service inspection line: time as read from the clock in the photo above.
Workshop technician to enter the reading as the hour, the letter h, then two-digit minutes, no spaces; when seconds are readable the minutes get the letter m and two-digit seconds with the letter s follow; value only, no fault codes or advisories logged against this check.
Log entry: 1h16
